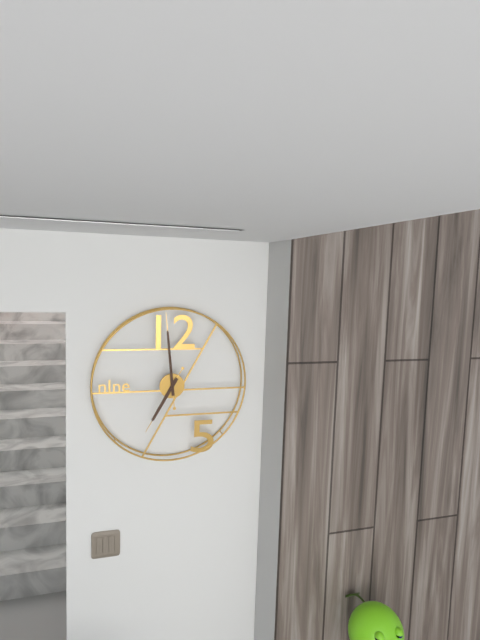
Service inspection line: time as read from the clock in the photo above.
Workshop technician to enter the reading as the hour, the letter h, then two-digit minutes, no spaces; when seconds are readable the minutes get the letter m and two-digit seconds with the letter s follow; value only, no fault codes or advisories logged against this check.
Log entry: 6h59
